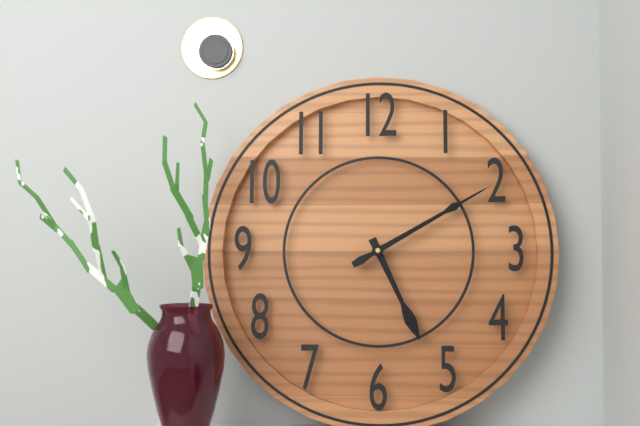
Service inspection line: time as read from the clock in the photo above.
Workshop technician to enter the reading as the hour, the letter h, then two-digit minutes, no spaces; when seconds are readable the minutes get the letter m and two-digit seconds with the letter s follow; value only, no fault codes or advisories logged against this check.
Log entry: 5h10
